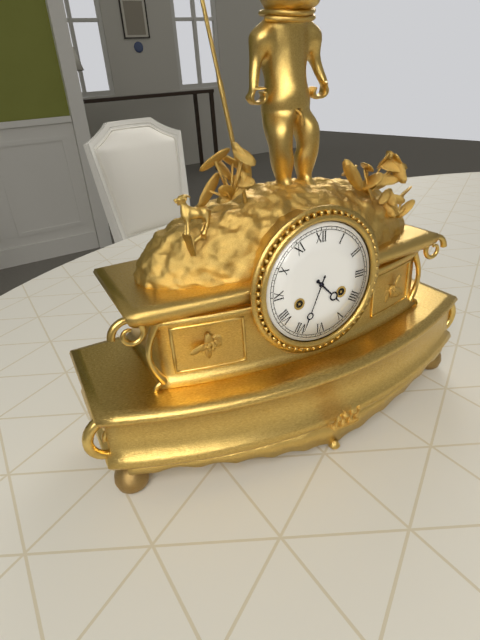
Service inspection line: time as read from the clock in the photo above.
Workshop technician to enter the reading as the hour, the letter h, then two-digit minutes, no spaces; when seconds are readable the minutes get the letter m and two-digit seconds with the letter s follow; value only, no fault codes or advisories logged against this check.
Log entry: 4h34
